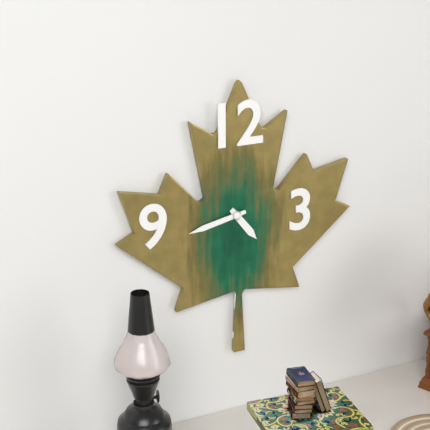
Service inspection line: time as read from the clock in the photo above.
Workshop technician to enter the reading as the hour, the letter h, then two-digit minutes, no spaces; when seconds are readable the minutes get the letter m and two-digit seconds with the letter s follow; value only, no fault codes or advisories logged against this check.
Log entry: 4h43
